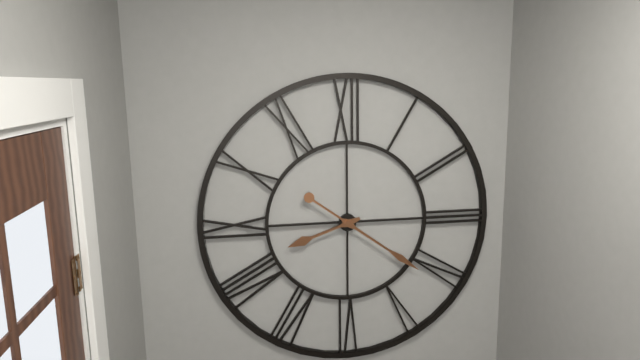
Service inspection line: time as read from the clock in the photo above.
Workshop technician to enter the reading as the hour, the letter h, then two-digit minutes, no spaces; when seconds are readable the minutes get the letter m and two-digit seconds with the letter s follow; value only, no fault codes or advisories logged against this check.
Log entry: 8h21
